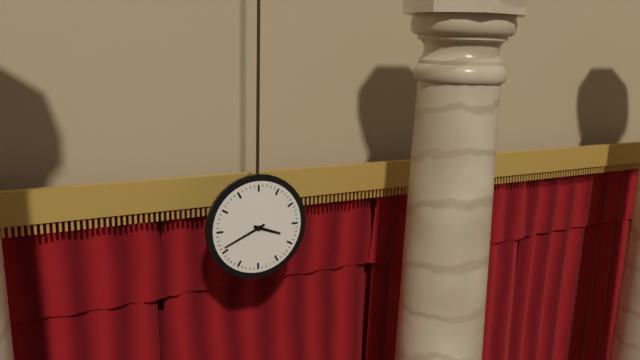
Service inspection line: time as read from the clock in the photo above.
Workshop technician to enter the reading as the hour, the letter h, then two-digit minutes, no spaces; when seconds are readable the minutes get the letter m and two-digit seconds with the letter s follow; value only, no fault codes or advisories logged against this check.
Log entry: 3h41
